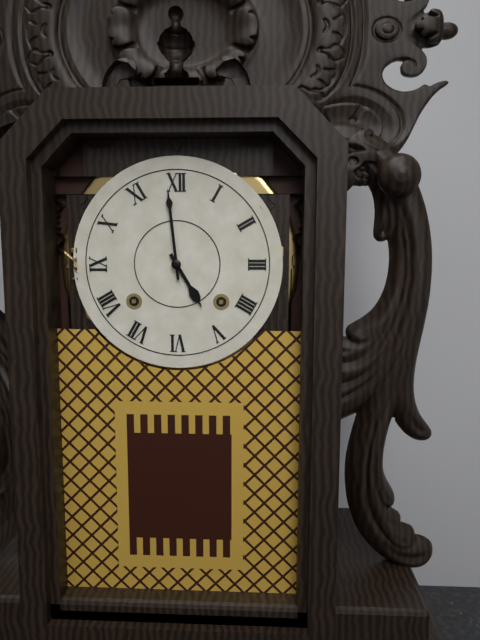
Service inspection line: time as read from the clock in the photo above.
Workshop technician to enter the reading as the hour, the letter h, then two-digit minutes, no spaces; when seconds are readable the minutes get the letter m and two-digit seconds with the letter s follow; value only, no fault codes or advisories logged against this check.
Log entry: 4h59
